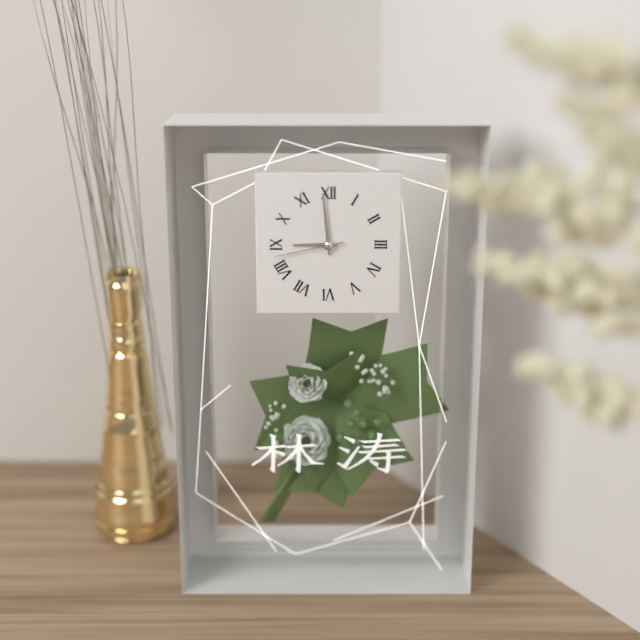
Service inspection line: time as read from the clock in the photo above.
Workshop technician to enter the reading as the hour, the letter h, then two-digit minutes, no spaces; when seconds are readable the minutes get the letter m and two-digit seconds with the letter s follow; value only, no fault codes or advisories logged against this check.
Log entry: 8h59m43s
